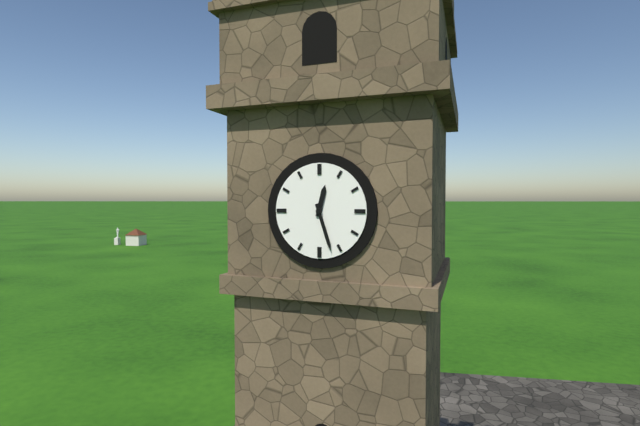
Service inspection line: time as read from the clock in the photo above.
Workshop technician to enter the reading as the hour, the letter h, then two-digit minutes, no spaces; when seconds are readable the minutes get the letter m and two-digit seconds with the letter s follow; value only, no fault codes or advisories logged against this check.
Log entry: 12h27
